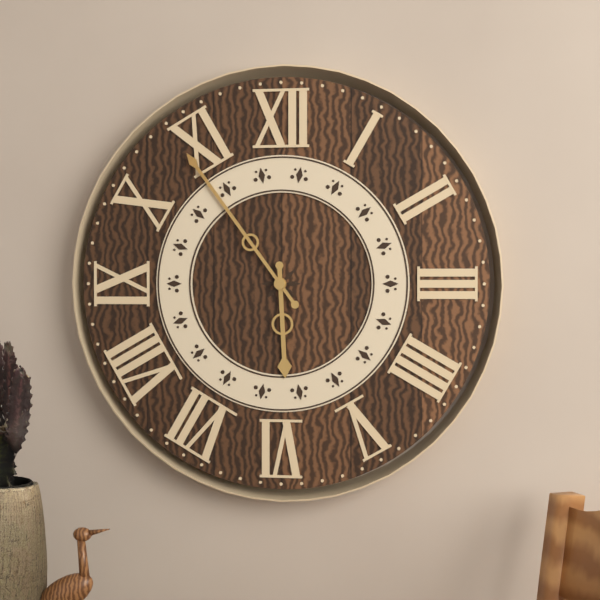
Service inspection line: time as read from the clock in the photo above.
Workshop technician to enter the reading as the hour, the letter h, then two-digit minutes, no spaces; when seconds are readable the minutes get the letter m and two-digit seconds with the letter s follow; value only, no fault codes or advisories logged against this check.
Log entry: 5h54
